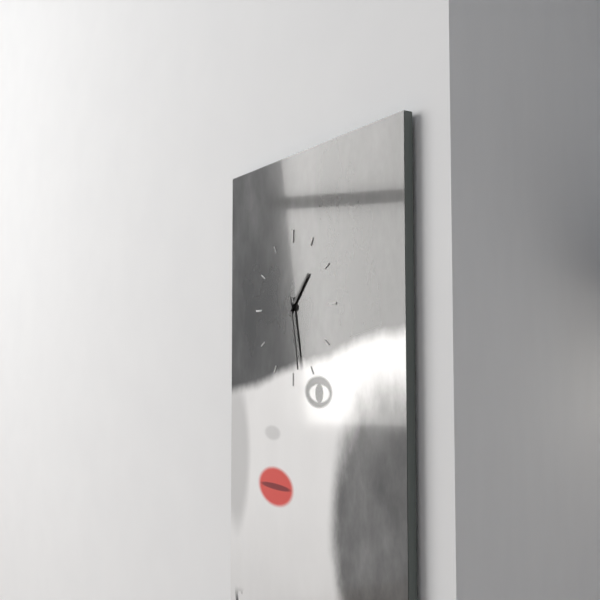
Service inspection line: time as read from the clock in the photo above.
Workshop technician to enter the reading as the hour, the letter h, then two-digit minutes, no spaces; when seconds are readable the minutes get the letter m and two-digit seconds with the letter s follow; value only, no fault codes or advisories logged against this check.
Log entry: 1h28
